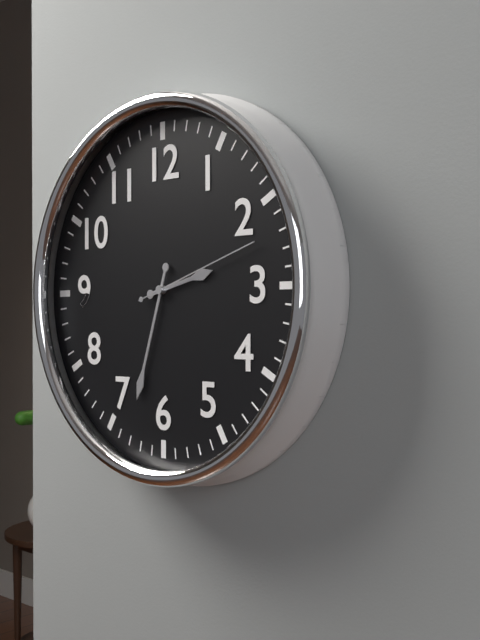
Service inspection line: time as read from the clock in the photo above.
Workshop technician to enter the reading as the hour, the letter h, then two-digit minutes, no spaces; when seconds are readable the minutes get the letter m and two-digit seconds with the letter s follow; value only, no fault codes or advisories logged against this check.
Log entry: 2h33m12s
